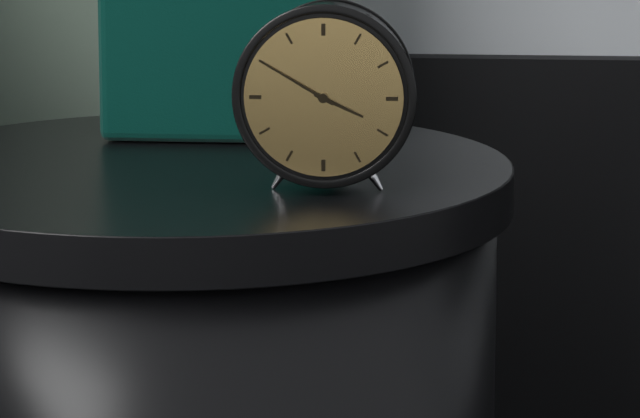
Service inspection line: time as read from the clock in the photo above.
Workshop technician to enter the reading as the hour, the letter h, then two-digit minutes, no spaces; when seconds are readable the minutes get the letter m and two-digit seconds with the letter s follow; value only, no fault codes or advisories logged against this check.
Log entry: 3h50
